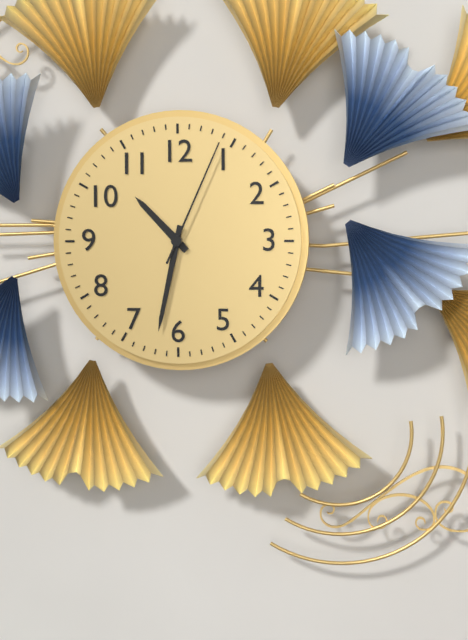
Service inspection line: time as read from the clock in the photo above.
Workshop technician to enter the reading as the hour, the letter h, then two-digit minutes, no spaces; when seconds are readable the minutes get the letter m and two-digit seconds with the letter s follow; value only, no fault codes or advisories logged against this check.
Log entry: 10h32m04s
